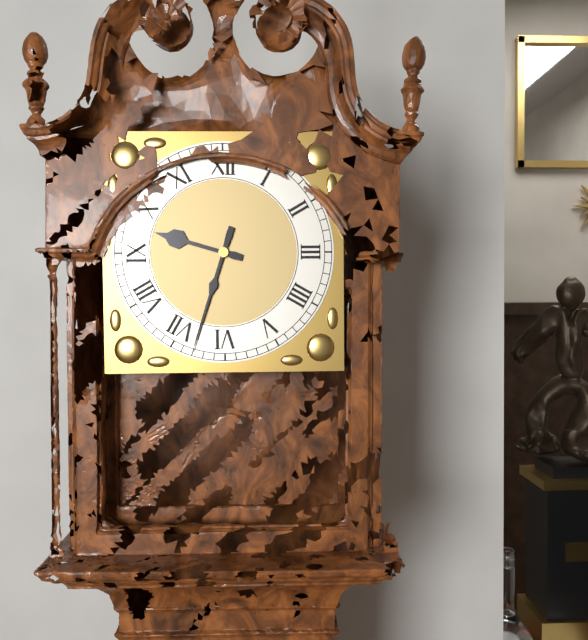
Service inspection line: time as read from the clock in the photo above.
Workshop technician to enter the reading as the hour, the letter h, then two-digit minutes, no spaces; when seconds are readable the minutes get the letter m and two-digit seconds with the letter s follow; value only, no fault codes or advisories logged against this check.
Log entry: 9h33
